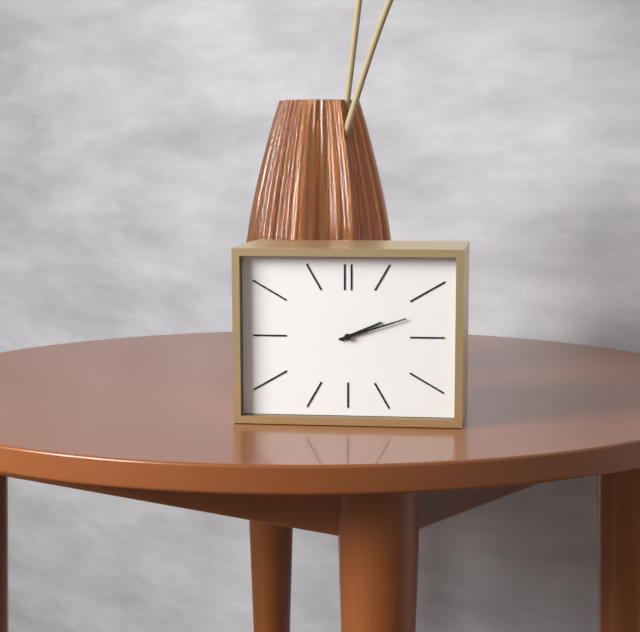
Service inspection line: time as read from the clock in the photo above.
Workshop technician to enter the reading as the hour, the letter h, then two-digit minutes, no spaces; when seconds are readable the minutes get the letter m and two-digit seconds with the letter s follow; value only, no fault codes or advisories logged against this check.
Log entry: 2h12
